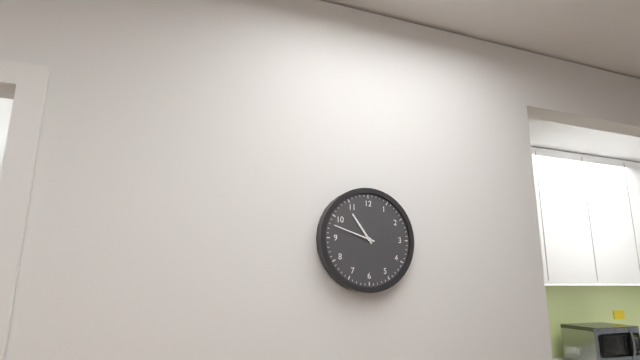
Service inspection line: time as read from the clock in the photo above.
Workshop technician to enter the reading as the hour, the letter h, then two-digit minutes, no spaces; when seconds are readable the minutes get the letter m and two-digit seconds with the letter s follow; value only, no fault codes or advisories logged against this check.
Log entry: 10h48
